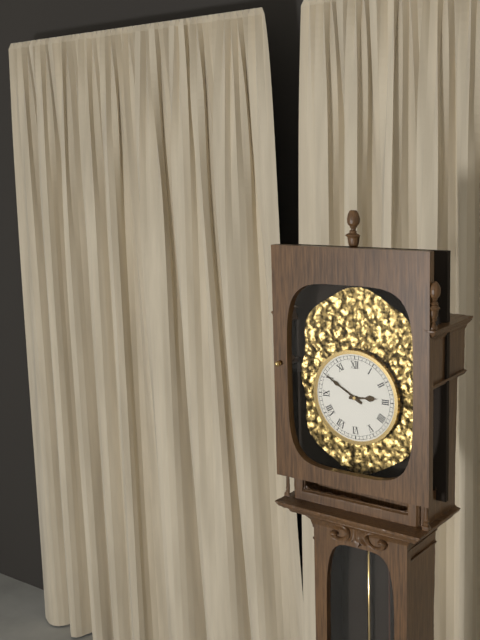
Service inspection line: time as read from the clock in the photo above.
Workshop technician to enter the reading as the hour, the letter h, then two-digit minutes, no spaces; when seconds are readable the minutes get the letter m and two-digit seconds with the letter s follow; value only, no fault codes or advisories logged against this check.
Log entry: 2h50
